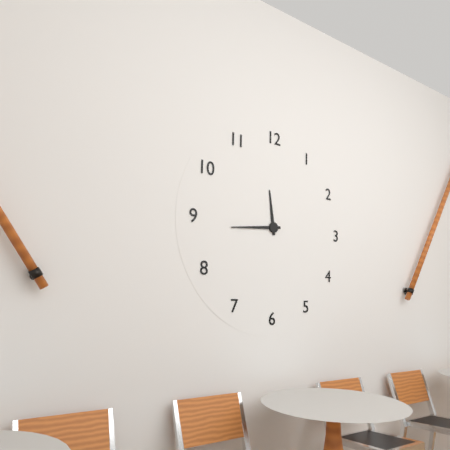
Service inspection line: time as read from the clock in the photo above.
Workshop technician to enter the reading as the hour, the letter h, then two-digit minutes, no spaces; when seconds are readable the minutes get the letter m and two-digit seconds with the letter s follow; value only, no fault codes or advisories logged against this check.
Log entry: 11h44
